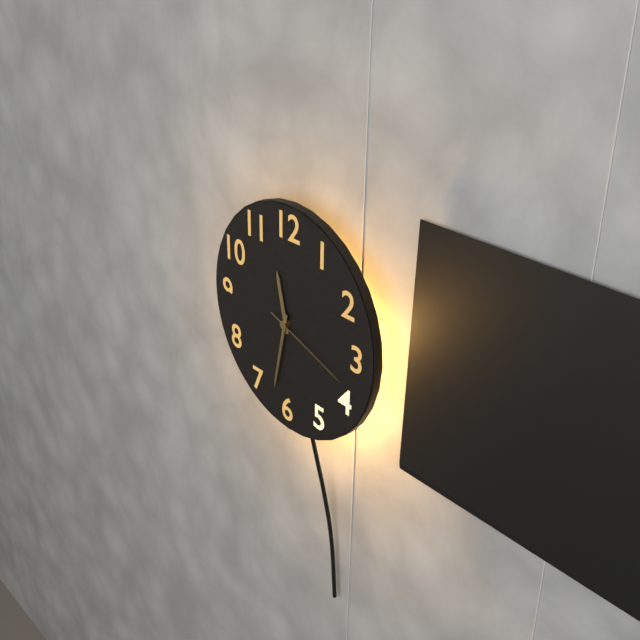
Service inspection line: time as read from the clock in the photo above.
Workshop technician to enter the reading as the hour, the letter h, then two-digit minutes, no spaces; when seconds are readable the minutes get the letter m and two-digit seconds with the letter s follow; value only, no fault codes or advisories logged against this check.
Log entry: 11h32m18s
